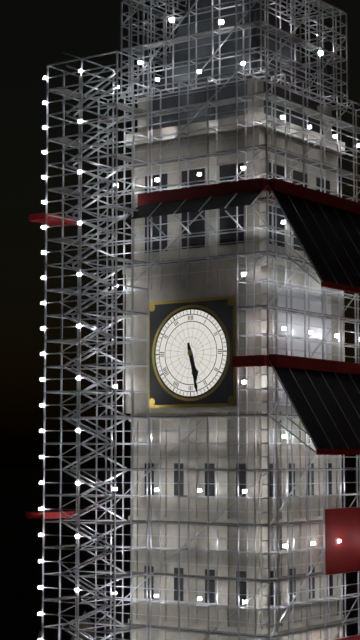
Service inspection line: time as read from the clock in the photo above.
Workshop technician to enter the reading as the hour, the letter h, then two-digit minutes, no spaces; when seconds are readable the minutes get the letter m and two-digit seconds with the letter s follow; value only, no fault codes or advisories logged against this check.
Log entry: 5h28
